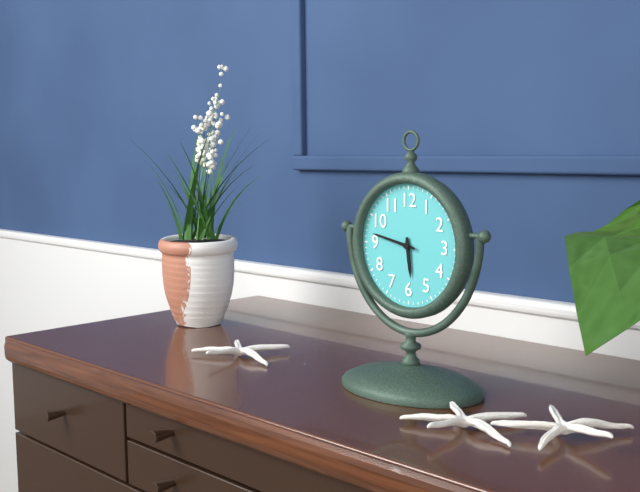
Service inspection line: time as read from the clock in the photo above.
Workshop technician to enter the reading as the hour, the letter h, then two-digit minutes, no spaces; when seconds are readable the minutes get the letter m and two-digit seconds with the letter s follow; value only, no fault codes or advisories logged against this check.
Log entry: 5h47
